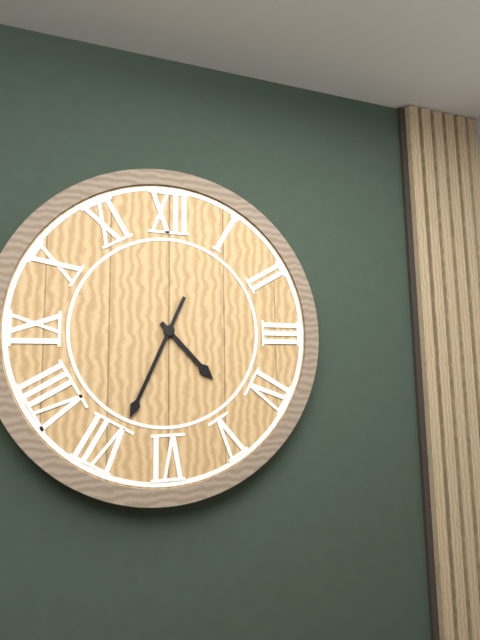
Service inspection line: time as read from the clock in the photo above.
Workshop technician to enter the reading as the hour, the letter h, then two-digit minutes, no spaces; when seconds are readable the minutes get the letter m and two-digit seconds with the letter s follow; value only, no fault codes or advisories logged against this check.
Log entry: 4h34
